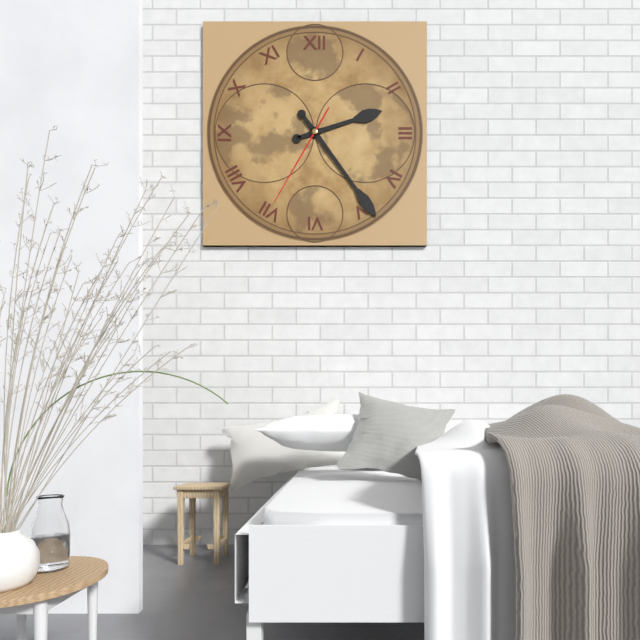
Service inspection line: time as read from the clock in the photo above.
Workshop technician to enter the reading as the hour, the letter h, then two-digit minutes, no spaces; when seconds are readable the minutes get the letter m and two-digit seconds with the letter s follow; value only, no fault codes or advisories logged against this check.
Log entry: 2h24m35s
